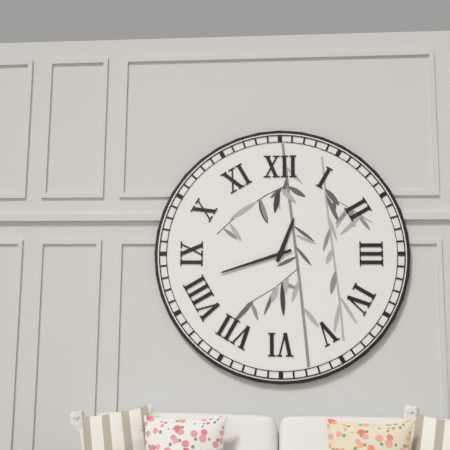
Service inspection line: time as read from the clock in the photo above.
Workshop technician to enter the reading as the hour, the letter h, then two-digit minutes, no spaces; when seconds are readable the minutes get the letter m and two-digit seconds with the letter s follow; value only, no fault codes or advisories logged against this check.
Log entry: 12h42
